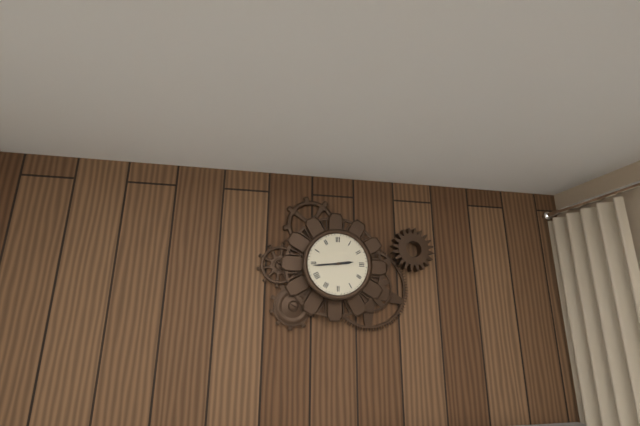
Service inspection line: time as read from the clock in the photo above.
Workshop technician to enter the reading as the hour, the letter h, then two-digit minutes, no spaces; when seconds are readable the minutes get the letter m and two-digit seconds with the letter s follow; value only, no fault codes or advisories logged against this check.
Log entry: 2h44
